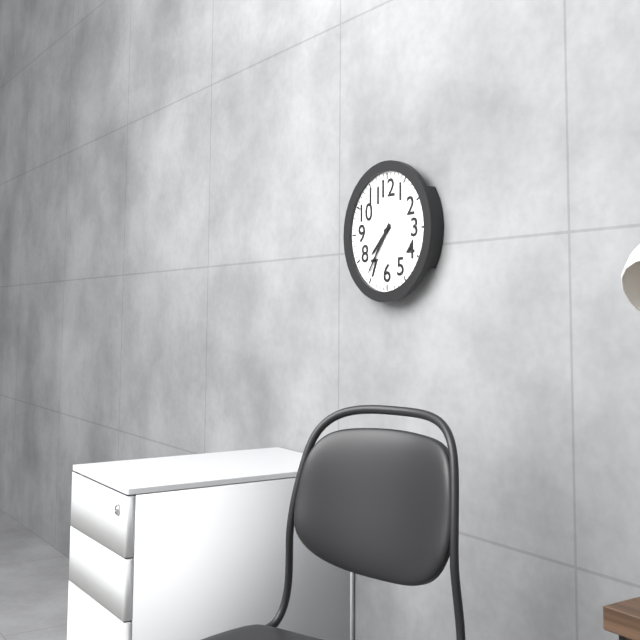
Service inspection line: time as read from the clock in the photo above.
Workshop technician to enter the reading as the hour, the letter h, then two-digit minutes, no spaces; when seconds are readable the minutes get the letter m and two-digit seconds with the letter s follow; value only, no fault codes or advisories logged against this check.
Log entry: 7h36
